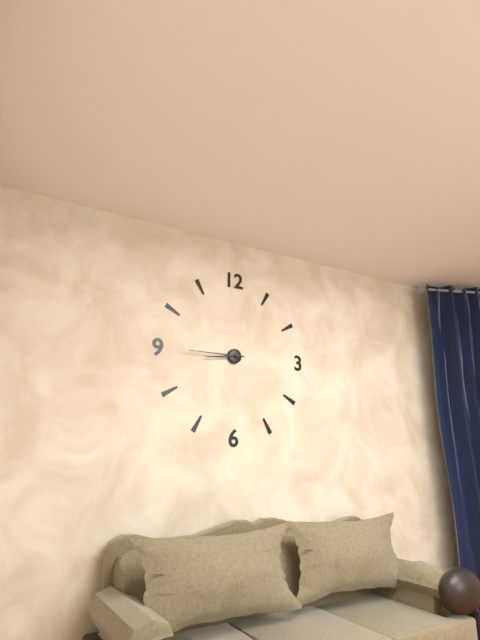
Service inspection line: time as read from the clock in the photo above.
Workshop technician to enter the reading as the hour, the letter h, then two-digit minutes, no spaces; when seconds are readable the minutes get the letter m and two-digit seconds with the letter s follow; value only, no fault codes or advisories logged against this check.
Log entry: 8h45
